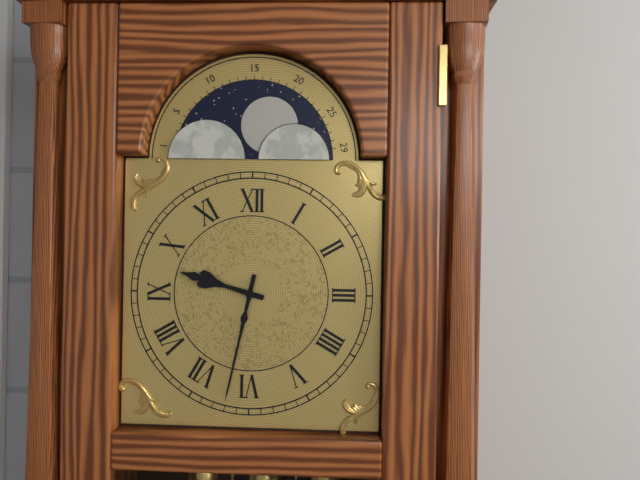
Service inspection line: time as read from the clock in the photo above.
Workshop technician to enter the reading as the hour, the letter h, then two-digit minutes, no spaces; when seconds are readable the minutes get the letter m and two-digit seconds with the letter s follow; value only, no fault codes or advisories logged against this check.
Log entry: 9h32
